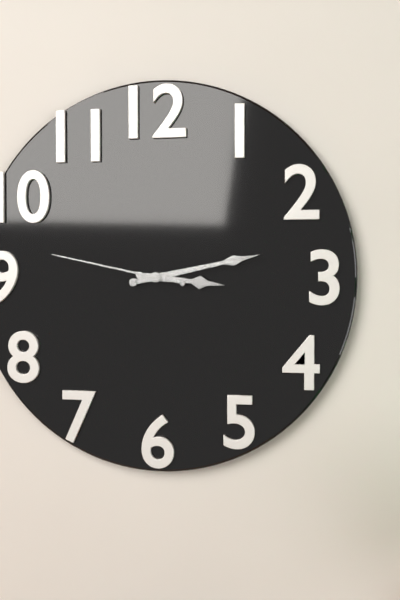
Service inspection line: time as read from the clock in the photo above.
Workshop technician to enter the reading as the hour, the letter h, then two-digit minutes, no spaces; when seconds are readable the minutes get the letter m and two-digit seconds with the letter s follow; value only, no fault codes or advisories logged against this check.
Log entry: 3h13m47s
